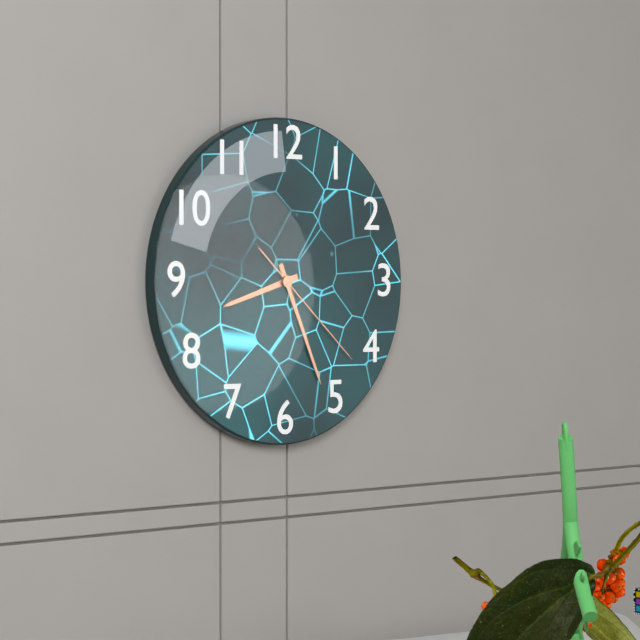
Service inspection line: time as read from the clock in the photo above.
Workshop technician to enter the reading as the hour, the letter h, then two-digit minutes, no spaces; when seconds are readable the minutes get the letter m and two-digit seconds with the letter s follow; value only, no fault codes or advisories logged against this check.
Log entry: 8h26m22s
